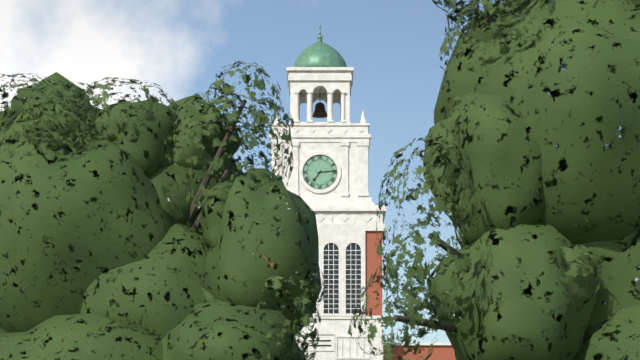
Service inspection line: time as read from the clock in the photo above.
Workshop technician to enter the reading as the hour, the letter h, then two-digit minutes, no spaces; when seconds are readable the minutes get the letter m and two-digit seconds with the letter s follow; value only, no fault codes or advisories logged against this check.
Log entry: 7h14
